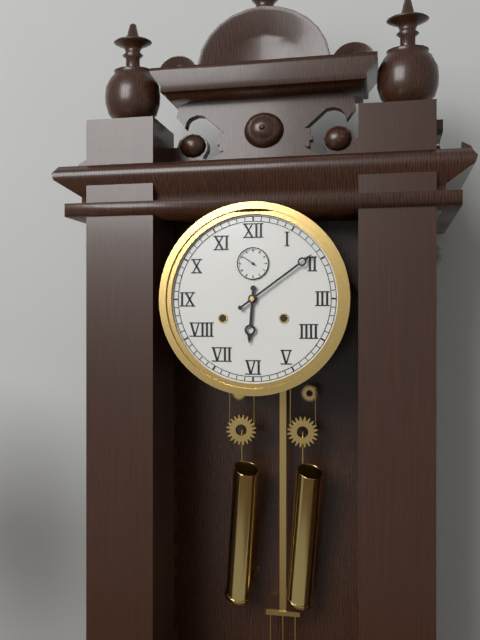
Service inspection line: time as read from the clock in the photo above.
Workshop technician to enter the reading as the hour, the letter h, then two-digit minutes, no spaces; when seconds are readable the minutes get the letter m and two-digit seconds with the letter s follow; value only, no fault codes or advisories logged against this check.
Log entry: 6h09
